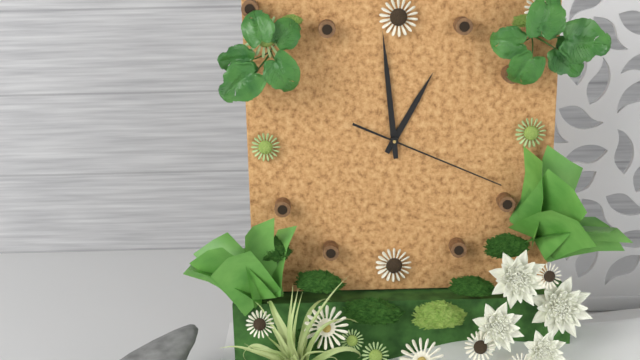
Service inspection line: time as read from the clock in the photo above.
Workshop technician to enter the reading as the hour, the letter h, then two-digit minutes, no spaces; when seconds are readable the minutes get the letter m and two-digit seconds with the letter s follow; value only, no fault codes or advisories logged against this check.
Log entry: 12h59m19s
